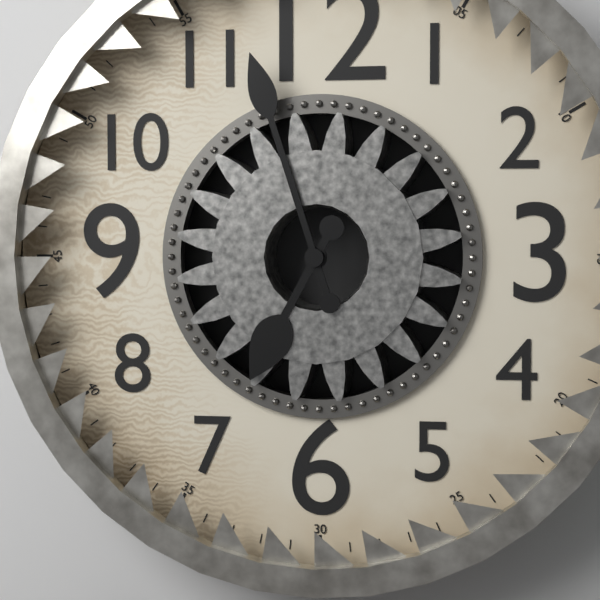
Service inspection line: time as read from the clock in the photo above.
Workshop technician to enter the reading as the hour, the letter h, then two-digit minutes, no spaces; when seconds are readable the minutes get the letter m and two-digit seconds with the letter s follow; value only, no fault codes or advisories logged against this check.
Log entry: 6h57
